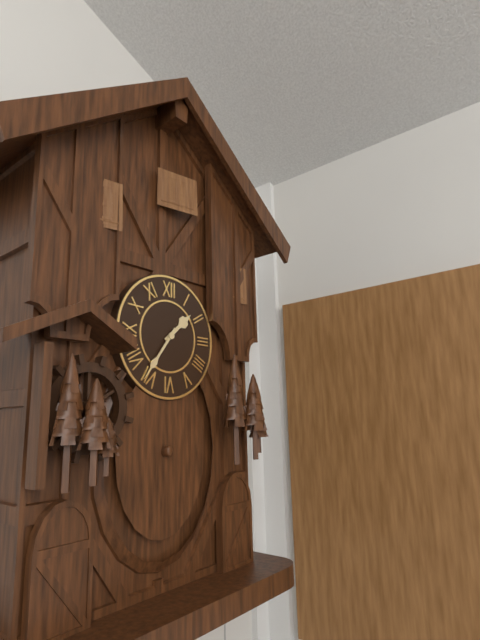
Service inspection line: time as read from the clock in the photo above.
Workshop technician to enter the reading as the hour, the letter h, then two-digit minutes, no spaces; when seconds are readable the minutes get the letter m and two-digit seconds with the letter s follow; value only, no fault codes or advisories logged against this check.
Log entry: 1h36
